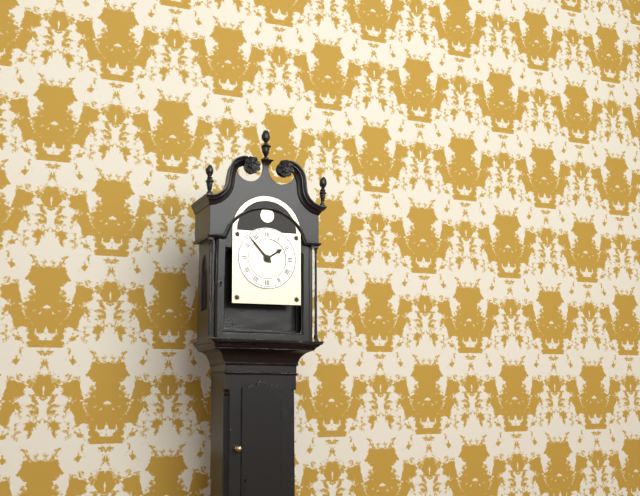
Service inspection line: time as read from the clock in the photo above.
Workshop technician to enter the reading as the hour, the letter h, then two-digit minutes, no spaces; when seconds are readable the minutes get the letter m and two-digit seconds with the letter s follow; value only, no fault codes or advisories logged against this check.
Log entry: 1h53
